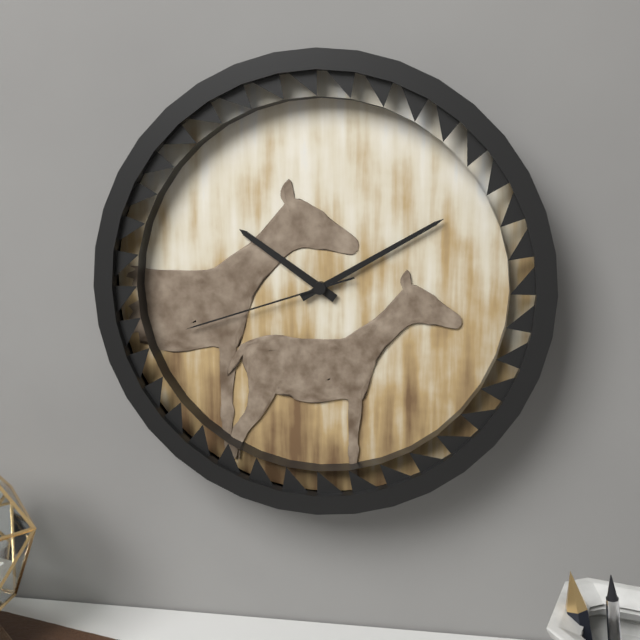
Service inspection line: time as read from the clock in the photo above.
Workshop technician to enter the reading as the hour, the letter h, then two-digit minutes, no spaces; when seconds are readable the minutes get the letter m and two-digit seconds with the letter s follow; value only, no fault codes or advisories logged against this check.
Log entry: 10h10m42s
